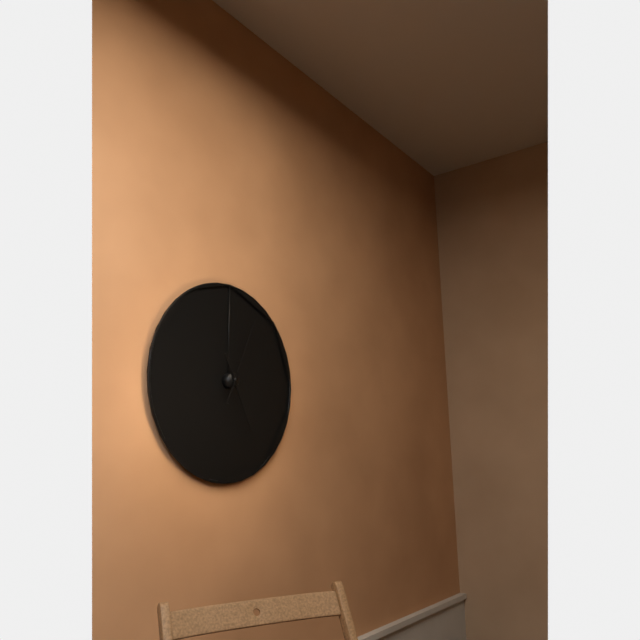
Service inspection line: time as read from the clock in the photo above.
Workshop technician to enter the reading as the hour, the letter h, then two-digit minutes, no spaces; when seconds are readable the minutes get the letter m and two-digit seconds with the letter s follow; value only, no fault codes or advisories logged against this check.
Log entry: 5h04
